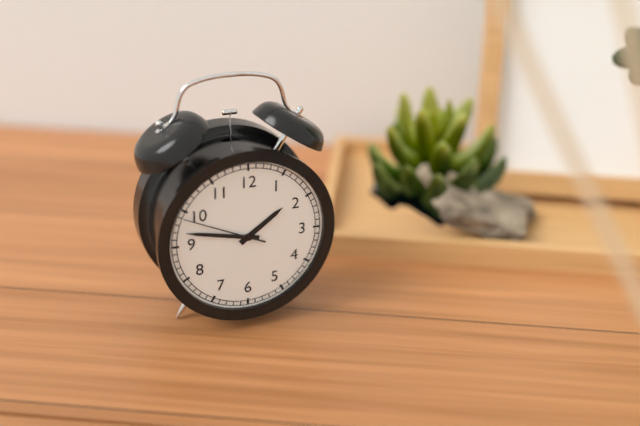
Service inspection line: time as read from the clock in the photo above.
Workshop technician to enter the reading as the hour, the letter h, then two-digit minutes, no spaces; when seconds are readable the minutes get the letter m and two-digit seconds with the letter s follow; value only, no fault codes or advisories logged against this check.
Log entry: 1h47m49s
